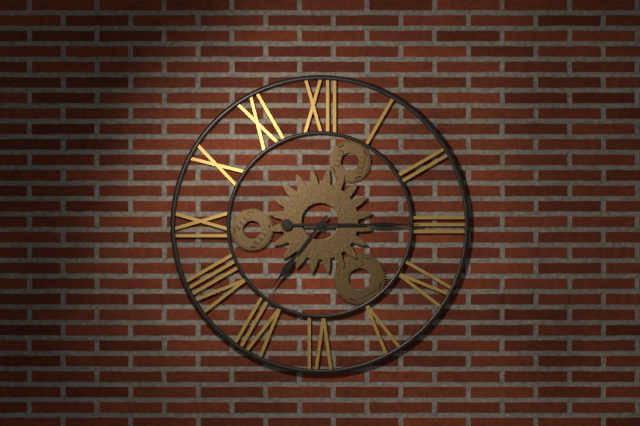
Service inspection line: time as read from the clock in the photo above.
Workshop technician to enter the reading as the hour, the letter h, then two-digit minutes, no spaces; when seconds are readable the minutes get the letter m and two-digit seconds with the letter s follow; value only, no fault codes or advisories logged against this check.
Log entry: 7h15
